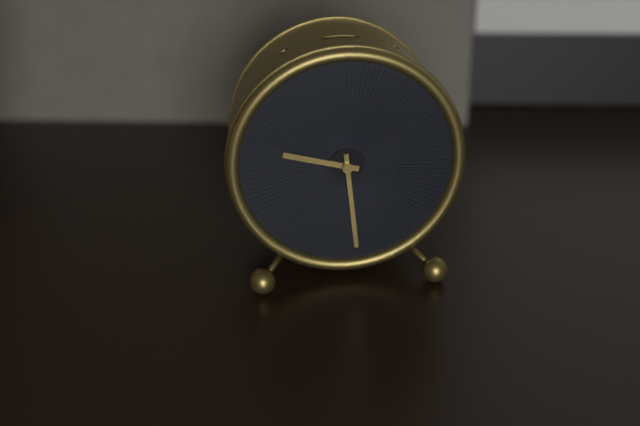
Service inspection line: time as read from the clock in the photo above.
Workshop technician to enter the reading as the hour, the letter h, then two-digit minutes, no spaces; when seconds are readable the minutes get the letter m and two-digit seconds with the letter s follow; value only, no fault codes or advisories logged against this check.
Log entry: 9h29
